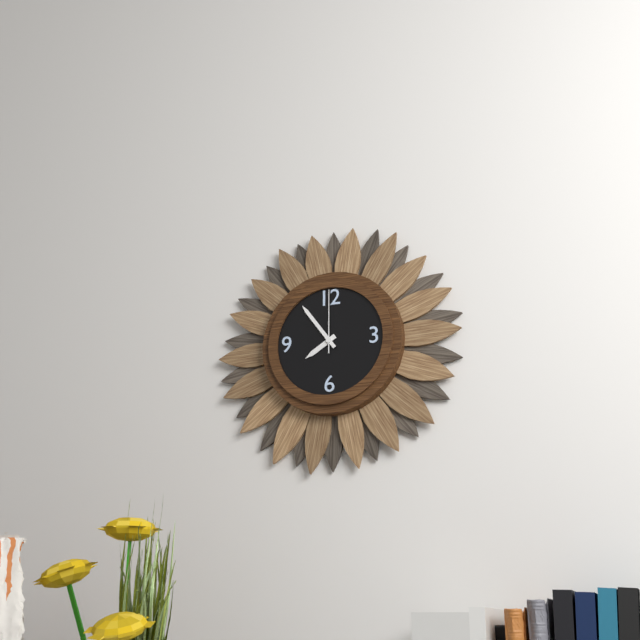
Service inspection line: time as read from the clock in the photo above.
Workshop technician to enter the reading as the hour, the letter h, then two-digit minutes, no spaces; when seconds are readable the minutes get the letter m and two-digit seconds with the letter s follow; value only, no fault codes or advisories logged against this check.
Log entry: 7h54m00s
